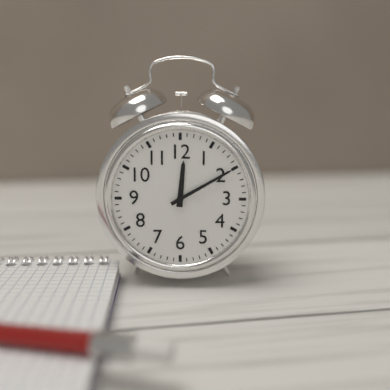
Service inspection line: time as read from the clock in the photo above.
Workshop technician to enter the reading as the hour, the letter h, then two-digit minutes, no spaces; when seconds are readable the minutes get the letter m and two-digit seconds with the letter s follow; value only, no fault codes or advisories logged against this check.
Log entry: 12h10
